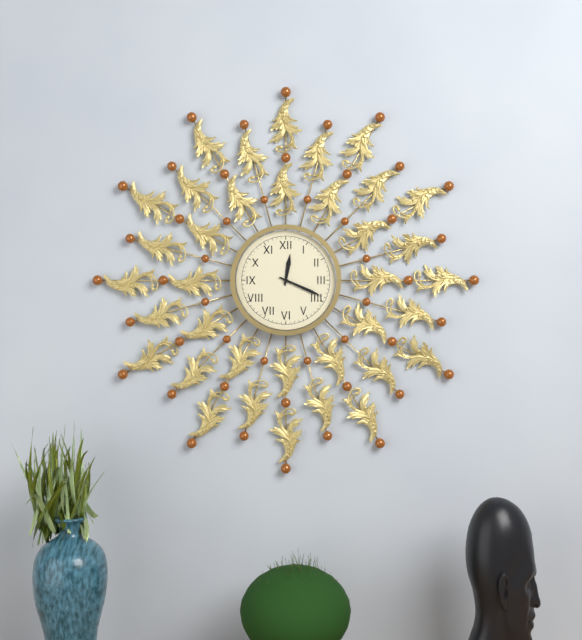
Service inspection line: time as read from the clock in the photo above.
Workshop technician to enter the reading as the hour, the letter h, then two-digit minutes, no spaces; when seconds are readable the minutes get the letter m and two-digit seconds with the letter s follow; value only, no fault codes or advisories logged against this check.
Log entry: 12h19
